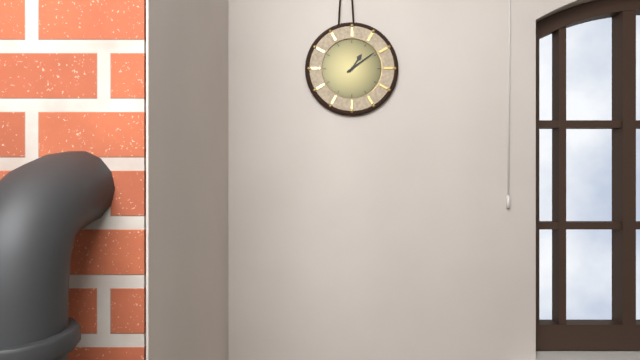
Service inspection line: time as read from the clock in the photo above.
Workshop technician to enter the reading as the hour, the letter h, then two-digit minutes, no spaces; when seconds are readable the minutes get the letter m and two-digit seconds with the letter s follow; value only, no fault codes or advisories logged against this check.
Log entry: 1h09
